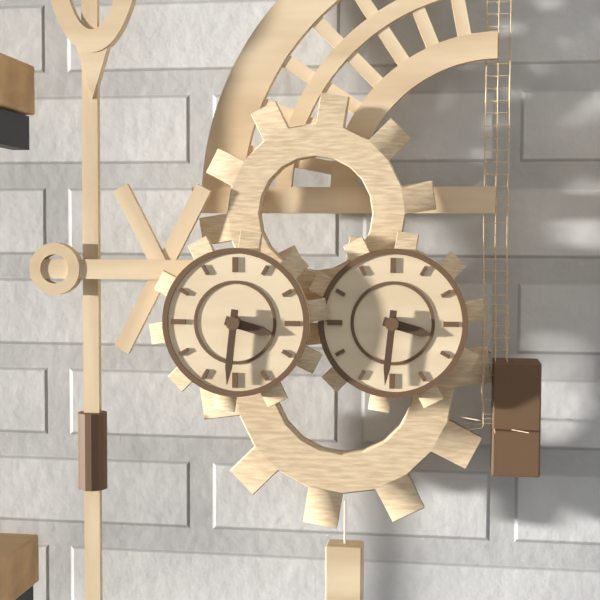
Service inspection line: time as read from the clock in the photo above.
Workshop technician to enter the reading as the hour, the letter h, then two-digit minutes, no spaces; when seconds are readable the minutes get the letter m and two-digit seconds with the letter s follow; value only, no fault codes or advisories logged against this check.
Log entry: 3h31
